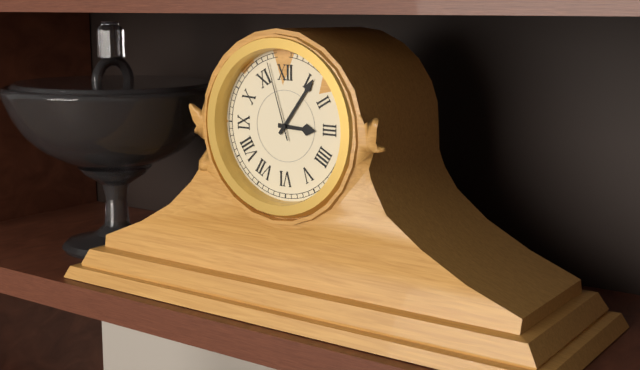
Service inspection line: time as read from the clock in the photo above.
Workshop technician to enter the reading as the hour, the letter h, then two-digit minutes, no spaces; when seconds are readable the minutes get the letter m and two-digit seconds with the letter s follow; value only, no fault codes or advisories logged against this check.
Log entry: 3h06m57s
